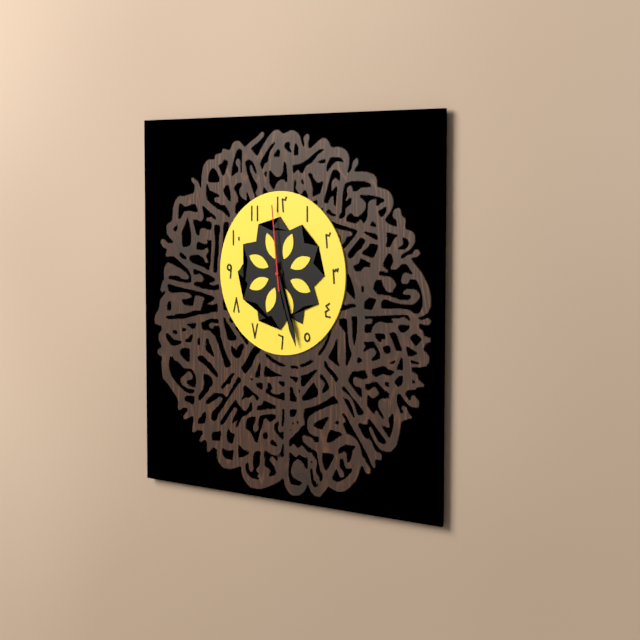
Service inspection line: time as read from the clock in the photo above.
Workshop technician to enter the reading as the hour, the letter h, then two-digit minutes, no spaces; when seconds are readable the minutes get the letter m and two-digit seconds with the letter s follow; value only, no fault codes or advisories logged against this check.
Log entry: 5h27m59s
